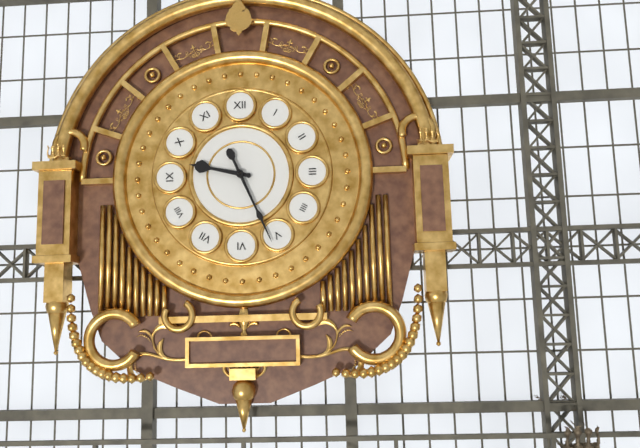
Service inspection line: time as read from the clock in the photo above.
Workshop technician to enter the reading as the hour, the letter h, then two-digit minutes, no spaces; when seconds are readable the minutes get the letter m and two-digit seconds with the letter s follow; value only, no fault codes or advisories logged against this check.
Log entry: 9h26
